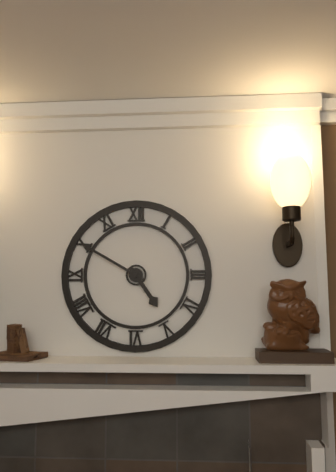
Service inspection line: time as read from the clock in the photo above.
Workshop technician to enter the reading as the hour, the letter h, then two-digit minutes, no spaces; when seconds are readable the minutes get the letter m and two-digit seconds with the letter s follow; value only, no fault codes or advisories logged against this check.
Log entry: 4h50
